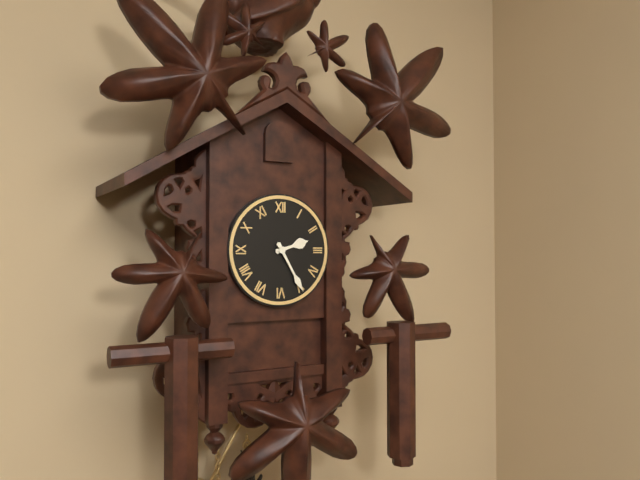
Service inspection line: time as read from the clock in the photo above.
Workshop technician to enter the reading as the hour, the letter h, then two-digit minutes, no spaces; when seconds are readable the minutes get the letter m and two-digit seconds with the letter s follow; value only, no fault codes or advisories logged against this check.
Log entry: 2h25
